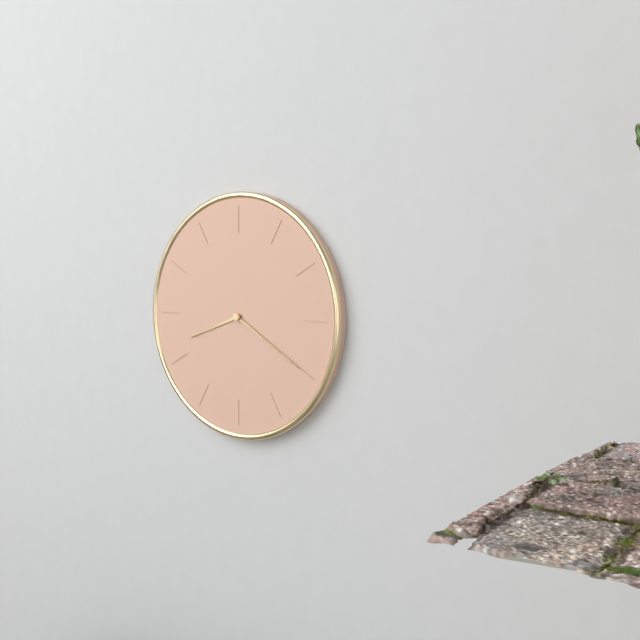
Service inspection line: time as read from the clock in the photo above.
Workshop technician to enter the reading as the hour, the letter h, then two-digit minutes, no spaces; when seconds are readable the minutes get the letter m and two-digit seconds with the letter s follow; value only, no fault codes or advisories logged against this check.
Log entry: 8h20
